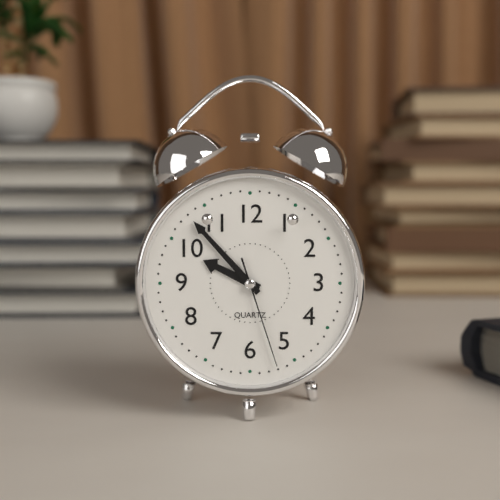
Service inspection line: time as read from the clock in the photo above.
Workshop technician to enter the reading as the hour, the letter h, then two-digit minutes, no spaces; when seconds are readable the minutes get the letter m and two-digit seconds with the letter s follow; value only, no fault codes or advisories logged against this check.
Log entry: 9h53m27s
